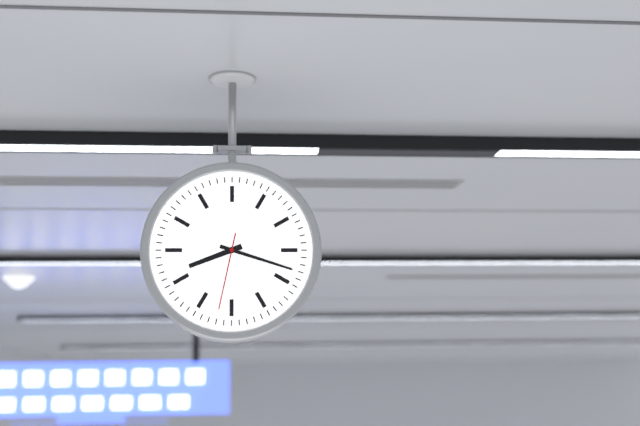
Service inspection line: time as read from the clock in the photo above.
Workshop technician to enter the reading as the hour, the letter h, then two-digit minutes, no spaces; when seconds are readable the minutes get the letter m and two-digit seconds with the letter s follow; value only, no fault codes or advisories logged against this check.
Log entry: 8h18m32s
